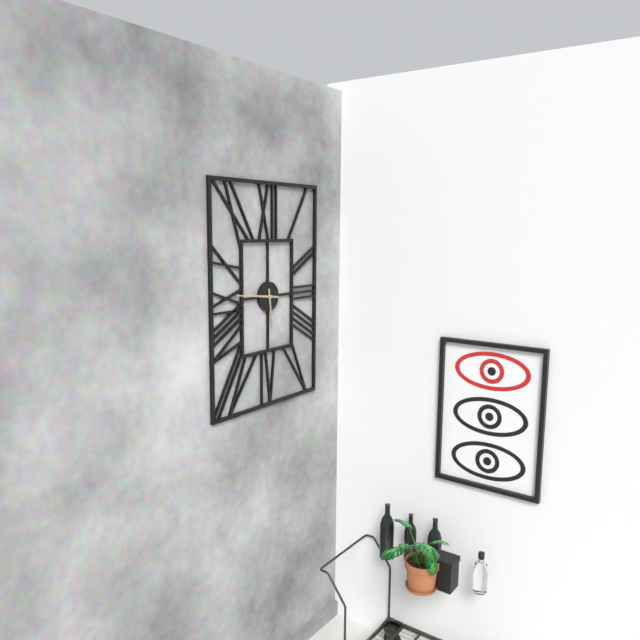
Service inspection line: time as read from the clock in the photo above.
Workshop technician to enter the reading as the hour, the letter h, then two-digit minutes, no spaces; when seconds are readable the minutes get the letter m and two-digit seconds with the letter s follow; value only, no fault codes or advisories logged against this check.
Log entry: 5h46
